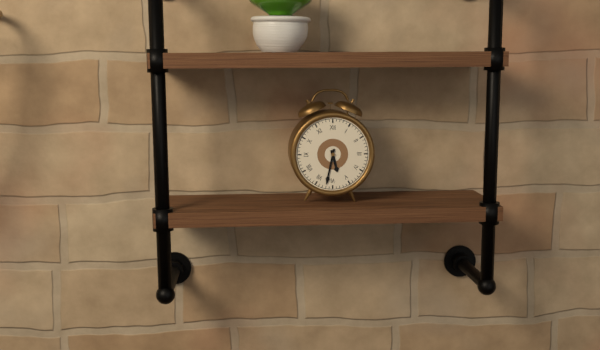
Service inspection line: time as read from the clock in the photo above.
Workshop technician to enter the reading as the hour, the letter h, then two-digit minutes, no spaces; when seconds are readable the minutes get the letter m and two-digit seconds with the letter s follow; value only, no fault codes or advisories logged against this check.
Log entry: 5h32
